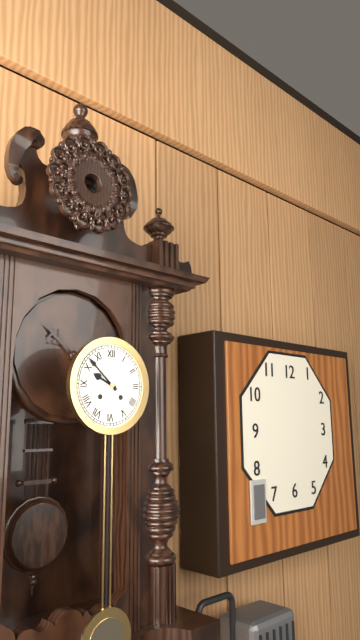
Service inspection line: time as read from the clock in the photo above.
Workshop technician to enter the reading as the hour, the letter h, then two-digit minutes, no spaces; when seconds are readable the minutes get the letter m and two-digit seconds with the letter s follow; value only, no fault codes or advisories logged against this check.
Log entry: 9h52
